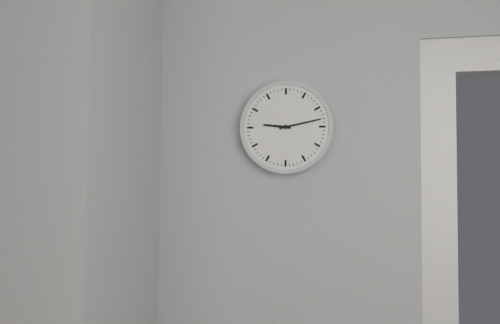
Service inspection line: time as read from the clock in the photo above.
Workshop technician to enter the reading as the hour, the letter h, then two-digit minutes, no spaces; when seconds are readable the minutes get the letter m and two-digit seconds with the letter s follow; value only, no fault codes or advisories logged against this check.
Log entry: 9h13
